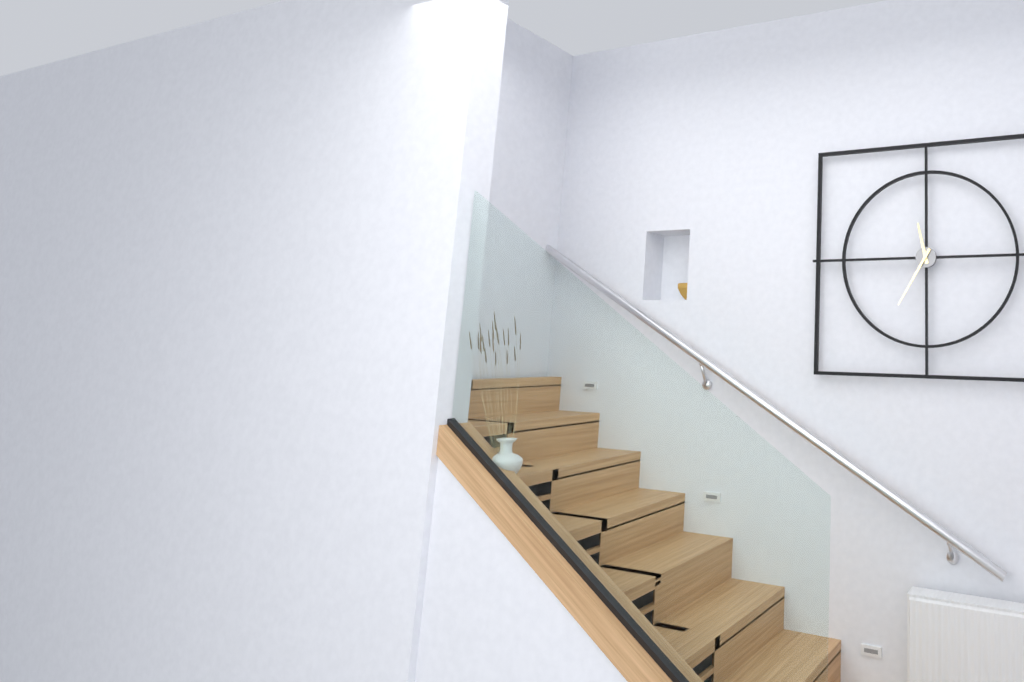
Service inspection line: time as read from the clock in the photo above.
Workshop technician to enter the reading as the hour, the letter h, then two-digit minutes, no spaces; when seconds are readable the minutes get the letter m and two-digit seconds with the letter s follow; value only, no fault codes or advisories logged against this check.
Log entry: 11h35
